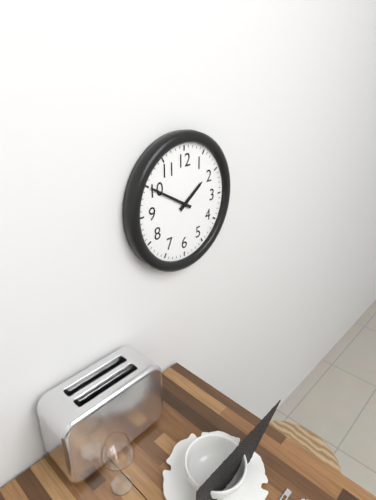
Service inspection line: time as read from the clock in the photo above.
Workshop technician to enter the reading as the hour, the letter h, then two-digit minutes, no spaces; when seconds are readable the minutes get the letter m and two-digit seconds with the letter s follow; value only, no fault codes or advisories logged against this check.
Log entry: 1h50
